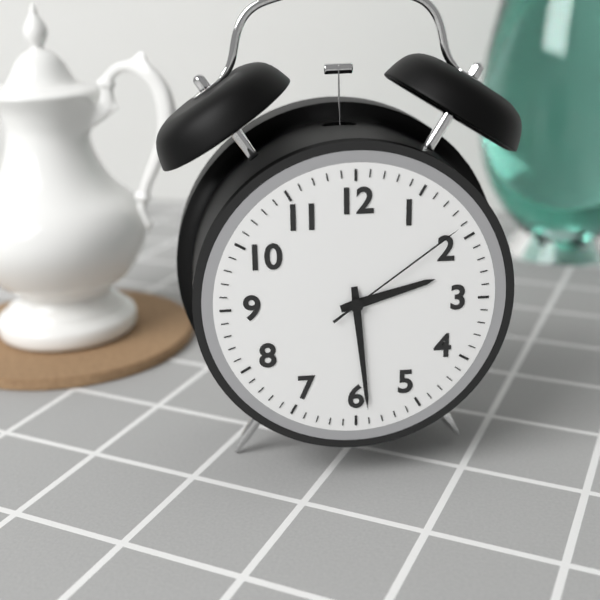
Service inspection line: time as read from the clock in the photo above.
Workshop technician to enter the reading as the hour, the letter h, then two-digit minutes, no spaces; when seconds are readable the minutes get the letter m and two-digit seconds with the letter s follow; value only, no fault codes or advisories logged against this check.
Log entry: 2h29m09s
